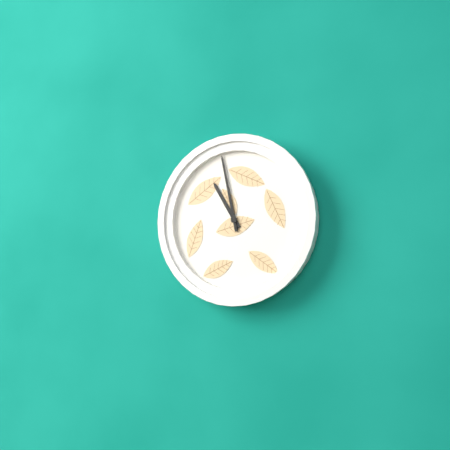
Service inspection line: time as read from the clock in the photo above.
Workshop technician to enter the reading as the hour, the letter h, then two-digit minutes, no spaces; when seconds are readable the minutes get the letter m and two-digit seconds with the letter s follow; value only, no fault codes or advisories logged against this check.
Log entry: 10h58
